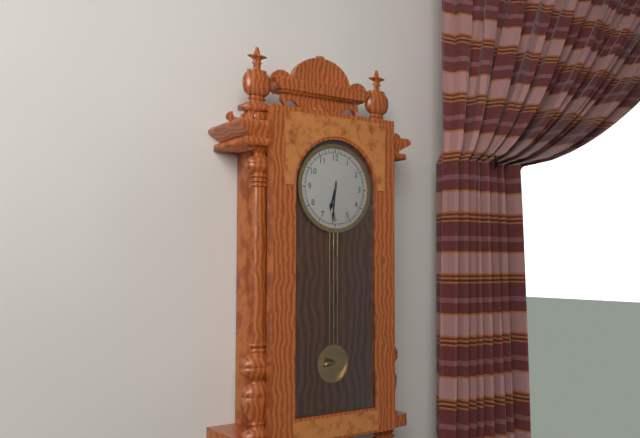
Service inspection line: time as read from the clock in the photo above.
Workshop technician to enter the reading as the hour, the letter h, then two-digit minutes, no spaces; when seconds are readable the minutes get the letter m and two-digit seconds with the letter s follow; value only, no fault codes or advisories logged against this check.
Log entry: 6h31
